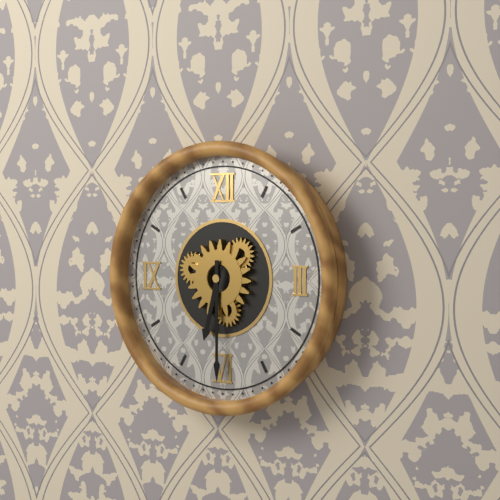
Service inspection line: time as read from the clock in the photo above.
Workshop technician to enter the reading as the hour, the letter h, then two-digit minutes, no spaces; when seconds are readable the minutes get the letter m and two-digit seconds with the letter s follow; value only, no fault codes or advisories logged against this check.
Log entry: 6h30
